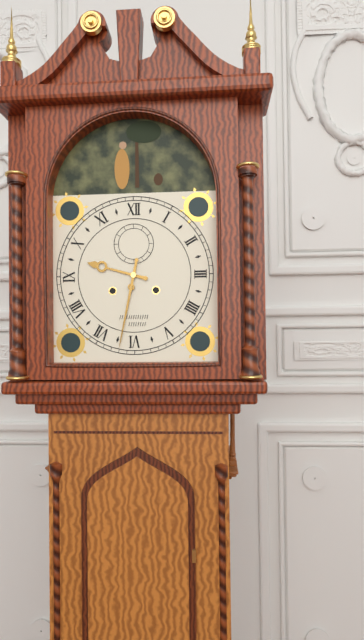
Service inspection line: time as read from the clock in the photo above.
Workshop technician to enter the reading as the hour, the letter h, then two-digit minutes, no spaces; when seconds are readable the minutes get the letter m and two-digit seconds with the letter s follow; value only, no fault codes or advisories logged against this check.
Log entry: 9h32
